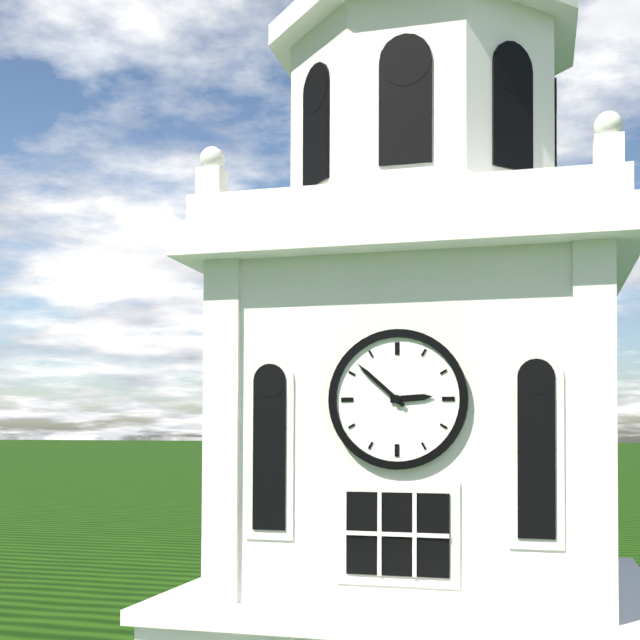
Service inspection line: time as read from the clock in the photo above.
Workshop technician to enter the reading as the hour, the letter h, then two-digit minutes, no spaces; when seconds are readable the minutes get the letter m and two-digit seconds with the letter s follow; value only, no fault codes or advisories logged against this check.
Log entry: 2h52
